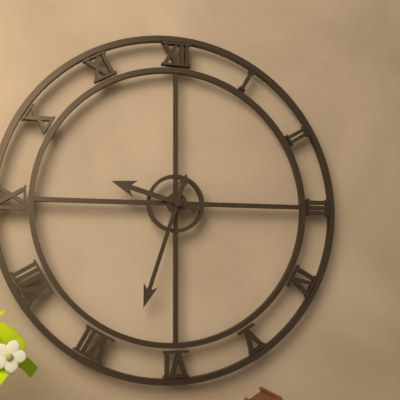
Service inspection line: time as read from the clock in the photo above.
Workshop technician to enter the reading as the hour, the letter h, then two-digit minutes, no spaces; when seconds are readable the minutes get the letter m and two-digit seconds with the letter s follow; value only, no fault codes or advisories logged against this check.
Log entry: 9h33
